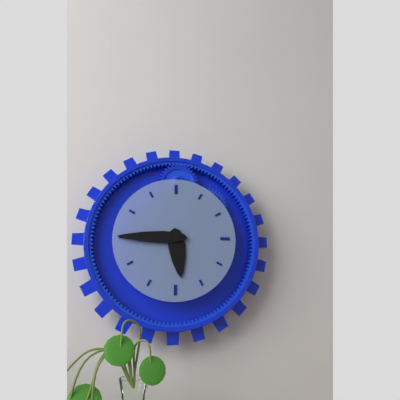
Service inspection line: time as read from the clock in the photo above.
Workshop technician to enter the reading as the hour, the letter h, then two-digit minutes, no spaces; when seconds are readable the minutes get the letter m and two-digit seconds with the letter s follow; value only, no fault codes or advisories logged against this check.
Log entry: 5h45
